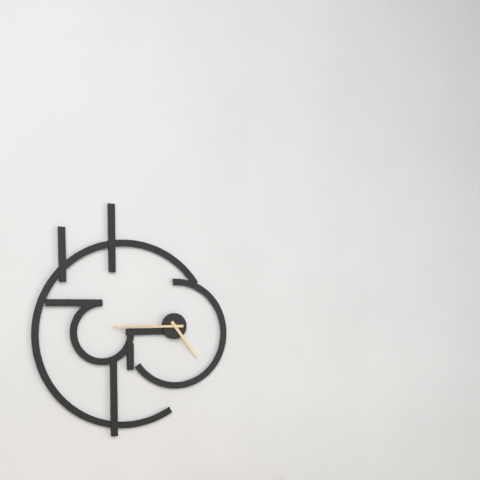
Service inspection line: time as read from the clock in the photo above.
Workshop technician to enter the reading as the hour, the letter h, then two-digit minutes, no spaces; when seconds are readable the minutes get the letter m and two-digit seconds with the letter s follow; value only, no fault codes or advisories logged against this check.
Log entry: 4h45
